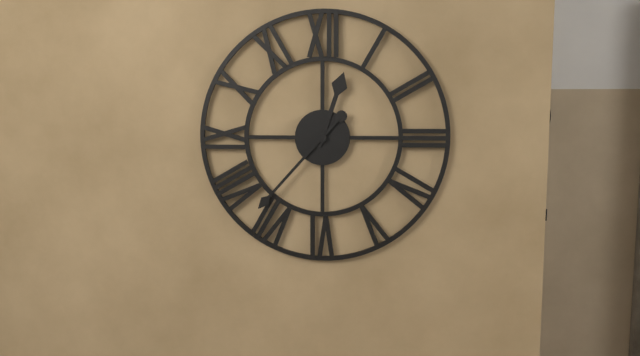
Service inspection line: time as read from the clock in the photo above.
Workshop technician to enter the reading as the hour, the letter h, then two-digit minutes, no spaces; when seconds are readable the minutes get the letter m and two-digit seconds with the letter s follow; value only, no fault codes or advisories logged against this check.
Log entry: 12h37
